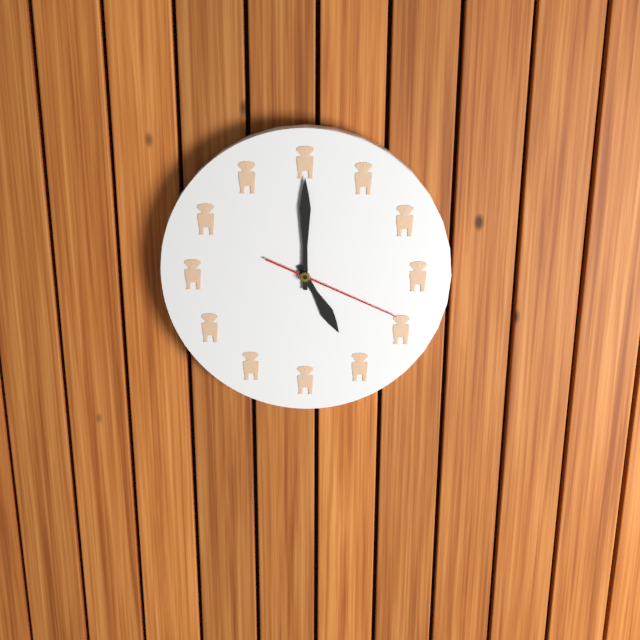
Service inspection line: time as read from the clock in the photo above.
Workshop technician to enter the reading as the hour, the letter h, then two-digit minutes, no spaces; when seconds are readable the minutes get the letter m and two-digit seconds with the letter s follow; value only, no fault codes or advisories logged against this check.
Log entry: 5h00m19s
